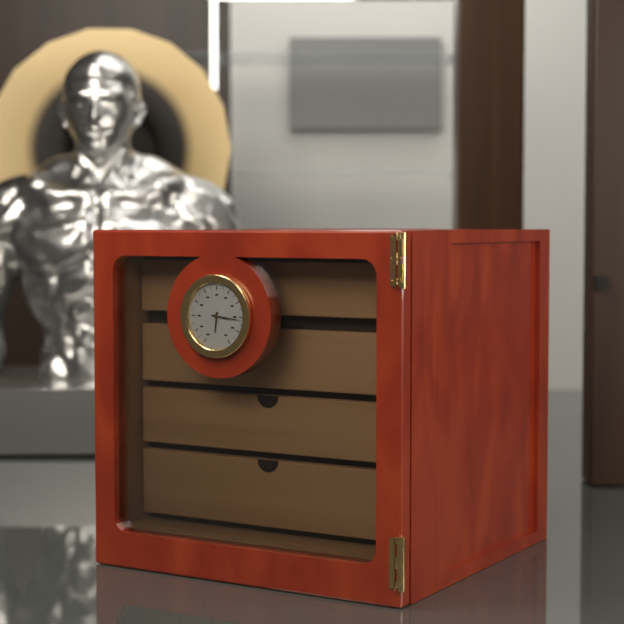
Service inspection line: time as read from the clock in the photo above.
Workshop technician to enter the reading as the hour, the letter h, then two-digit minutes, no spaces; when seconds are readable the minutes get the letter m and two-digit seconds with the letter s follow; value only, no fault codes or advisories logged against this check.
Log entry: 6h16
